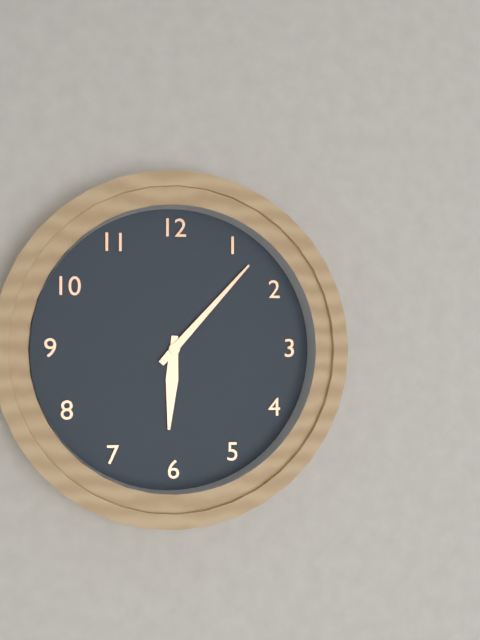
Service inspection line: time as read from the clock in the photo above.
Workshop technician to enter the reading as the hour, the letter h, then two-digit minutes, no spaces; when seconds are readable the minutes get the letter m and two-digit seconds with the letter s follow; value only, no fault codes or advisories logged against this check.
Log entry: 6h07
